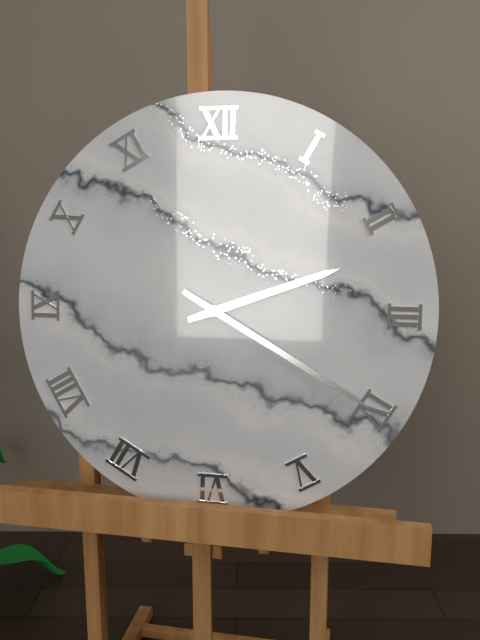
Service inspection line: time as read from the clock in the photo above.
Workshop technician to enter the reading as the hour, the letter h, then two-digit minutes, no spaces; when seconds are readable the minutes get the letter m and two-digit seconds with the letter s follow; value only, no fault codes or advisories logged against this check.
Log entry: 2h20
